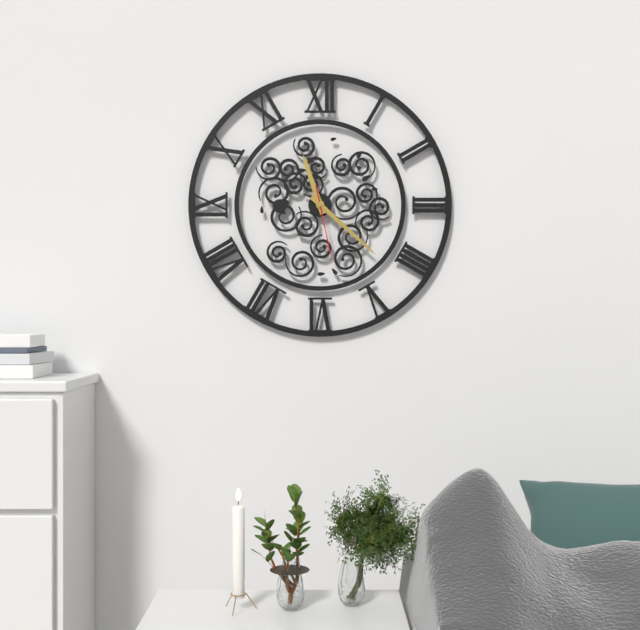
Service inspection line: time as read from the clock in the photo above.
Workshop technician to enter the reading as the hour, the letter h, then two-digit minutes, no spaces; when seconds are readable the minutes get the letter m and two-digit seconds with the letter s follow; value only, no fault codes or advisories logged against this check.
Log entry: 11h22m28s
